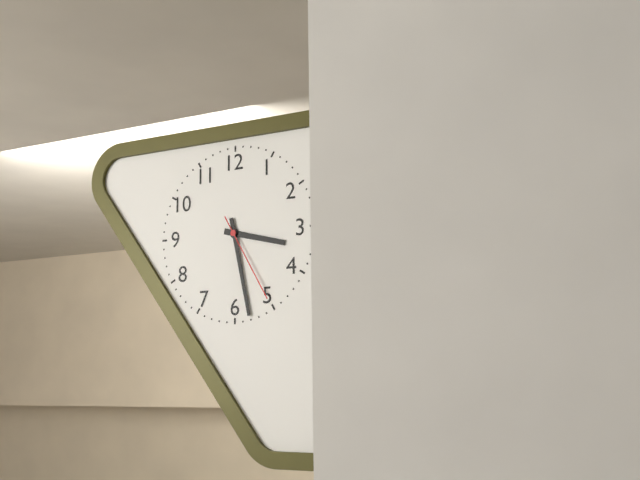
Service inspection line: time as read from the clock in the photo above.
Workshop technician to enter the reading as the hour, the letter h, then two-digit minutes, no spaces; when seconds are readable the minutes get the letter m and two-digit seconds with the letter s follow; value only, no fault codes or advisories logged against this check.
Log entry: 3h28m25s
